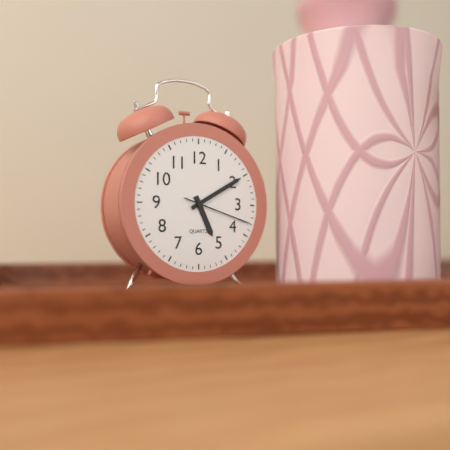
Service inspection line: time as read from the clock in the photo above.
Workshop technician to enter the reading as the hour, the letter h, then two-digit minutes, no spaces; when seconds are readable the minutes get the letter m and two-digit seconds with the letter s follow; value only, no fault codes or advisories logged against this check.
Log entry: 5h10m18s
